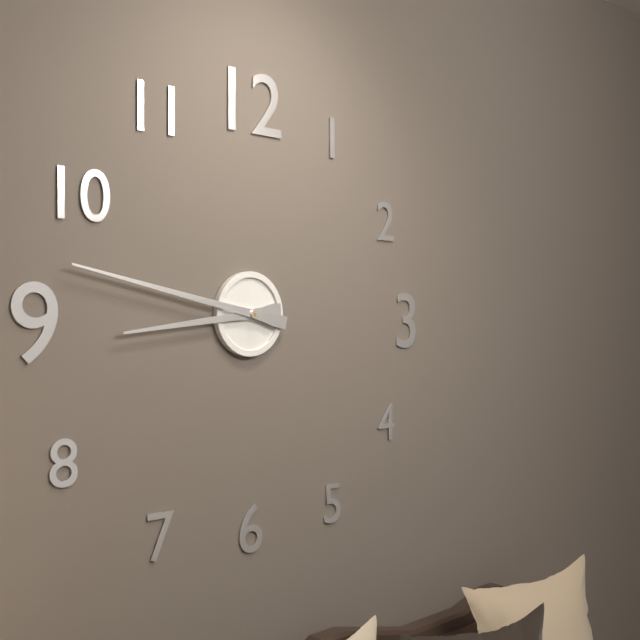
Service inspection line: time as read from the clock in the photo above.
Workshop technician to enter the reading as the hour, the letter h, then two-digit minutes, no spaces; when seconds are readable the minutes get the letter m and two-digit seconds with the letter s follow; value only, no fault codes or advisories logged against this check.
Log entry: 8h47
